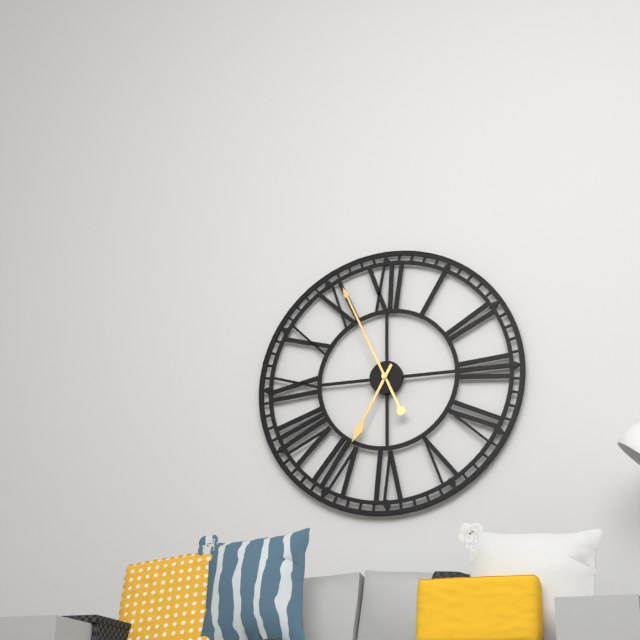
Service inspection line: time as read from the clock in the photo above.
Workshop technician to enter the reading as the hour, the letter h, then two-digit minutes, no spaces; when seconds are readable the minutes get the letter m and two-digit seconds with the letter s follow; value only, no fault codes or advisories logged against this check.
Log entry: 6h56
